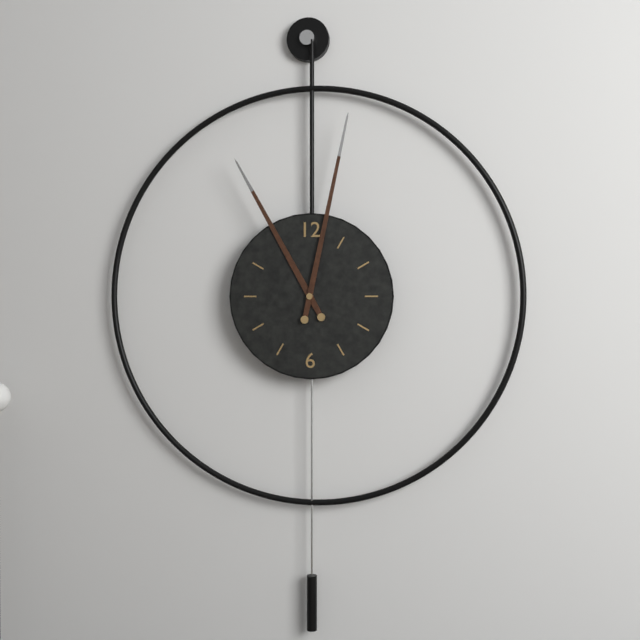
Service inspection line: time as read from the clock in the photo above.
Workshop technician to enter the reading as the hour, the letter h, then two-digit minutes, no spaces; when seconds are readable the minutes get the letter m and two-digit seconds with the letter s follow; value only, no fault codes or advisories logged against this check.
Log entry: 11h02
